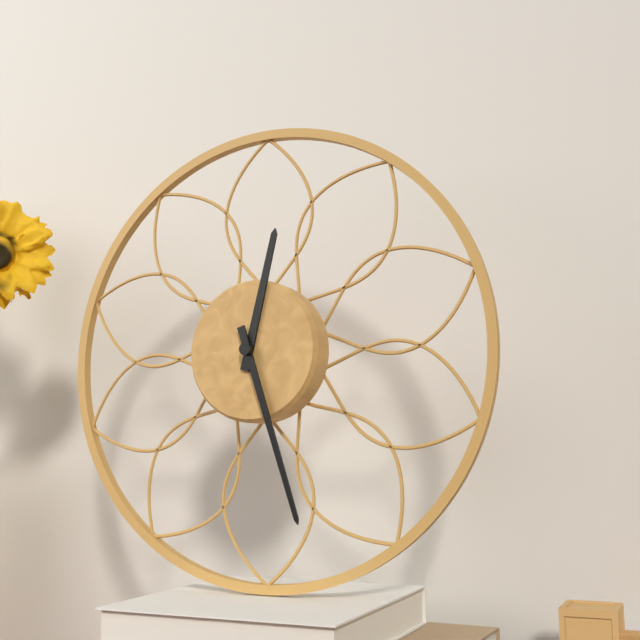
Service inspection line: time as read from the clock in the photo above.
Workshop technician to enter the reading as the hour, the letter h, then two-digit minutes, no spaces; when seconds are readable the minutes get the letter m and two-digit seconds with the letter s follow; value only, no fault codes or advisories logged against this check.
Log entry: 12h27
